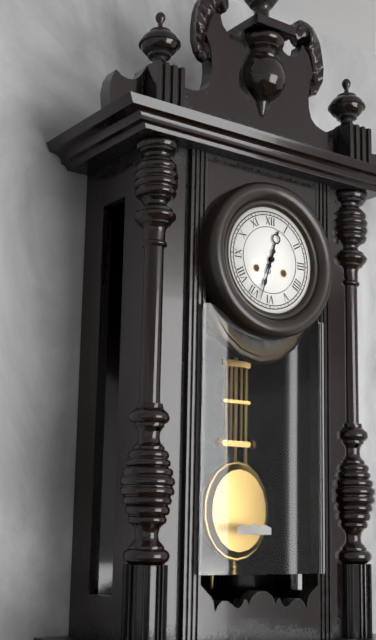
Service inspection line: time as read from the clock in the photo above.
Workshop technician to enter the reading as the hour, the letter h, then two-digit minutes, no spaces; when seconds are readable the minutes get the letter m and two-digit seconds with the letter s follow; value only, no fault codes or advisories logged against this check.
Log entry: 12h33
